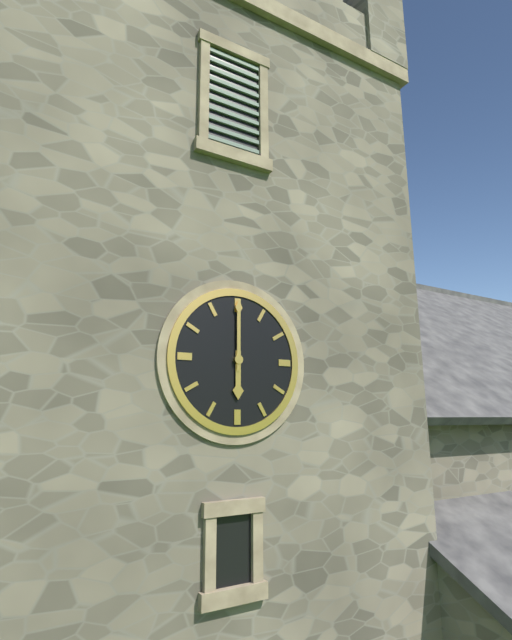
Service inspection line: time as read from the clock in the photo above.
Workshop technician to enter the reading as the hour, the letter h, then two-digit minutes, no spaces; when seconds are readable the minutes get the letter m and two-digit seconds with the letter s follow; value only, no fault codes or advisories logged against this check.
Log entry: 6h00
